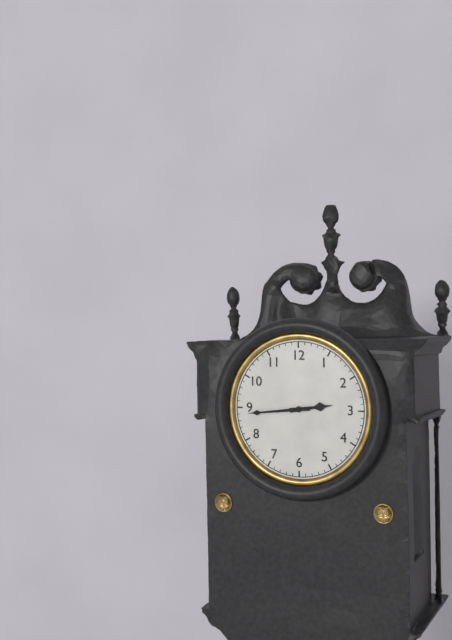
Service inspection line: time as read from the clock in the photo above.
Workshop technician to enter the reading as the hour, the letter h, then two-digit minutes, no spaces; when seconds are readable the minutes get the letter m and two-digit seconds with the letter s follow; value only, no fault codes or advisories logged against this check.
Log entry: 2h44
